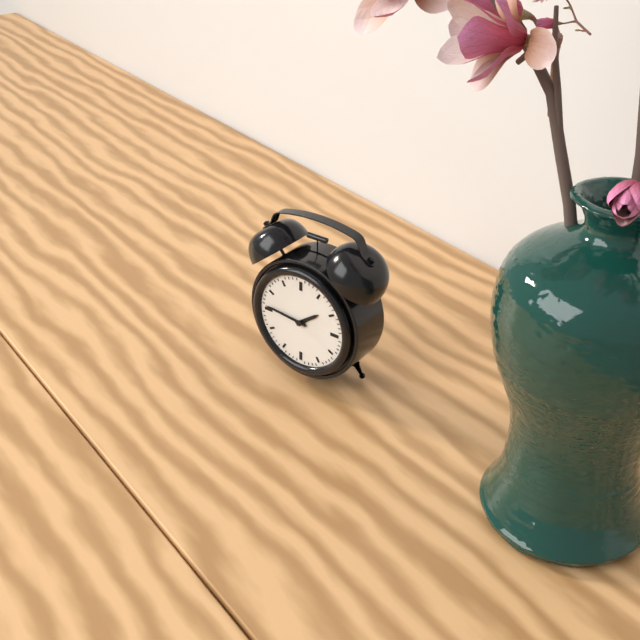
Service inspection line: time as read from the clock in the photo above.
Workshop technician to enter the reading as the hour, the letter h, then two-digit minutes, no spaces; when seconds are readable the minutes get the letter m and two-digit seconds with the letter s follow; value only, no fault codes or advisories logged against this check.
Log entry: 1h46
